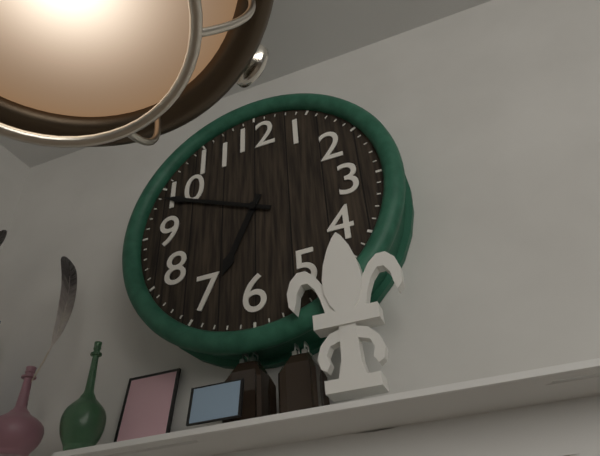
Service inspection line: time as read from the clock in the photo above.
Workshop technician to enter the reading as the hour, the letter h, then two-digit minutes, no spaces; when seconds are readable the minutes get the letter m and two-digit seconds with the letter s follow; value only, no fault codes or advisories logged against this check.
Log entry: 6h49
